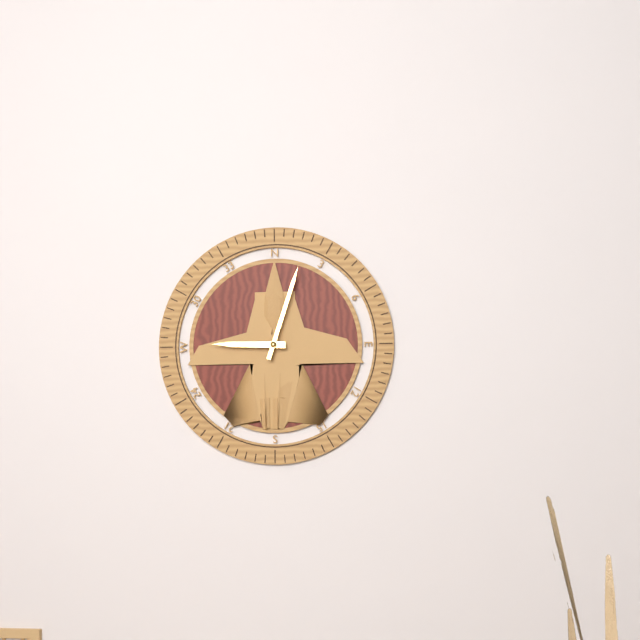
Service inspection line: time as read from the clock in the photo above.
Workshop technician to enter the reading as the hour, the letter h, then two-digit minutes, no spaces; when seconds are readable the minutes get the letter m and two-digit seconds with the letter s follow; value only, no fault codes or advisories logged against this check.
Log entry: 9h03
